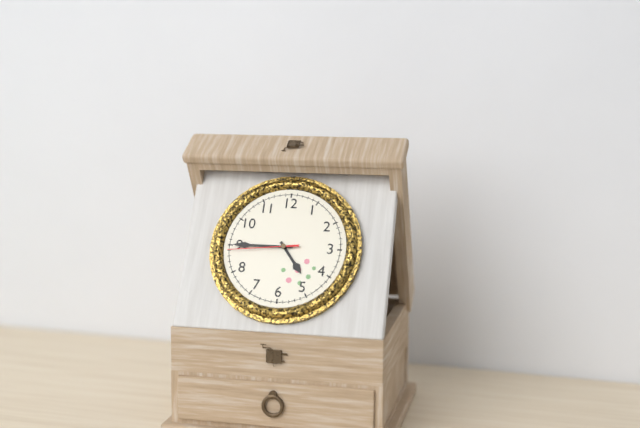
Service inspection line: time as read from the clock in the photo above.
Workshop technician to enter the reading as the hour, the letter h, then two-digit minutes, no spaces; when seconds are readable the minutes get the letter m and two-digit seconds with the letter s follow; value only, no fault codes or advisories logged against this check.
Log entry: 4h45m44s
